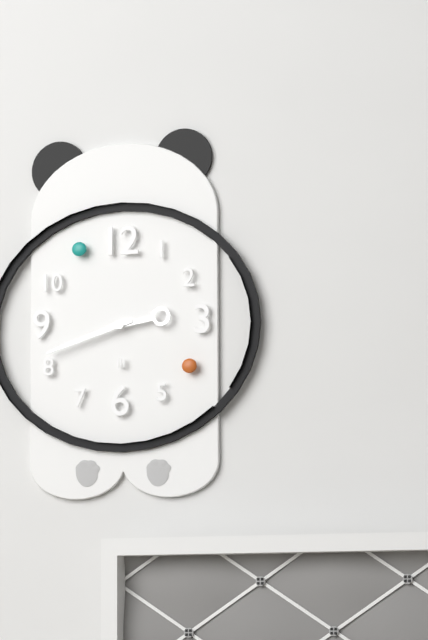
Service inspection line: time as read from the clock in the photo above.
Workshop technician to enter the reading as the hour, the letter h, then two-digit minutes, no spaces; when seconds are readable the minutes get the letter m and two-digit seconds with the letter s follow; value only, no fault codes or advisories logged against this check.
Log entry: 2h42
